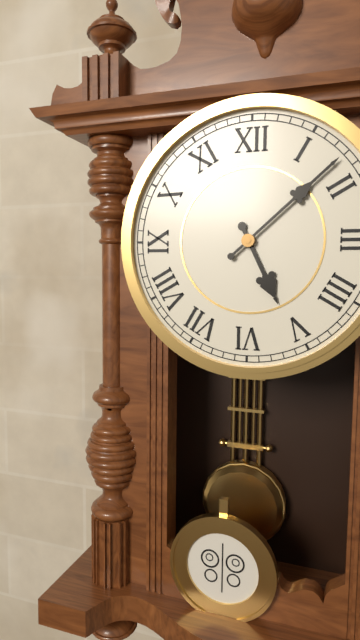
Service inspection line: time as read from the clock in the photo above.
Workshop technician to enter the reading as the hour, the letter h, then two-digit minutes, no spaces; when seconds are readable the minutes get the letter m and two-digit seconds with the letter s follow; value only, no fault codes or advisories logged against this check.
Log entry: 5h08
